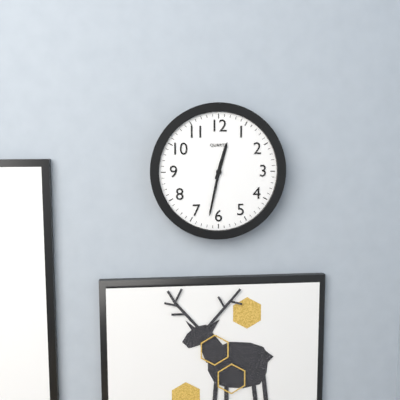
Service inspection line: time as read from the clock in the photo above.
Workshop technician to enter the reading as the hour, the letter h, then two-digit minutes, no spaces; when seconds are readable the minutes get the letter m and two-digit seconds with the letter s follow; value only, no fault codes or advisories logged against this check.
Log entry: 12h32
